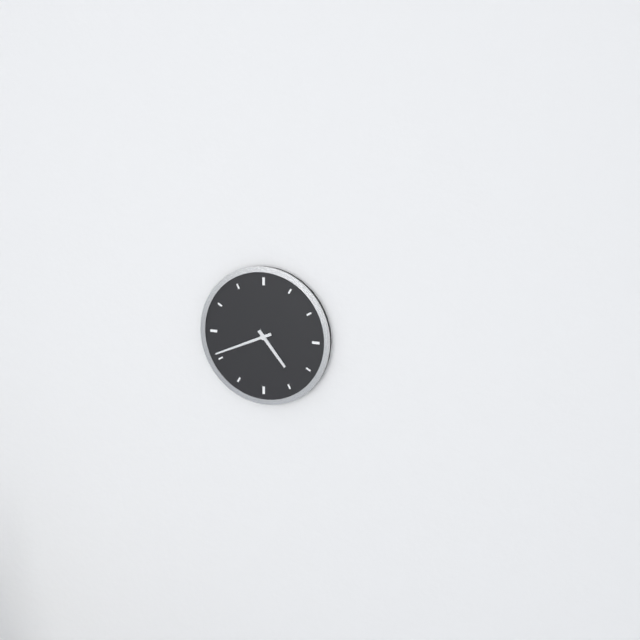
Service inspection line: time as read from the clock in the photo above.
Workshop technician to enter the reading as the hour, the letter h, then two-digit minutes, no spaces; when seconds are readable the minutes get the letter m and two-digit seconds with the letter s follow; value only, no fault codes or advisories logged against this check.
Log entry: 4h41
